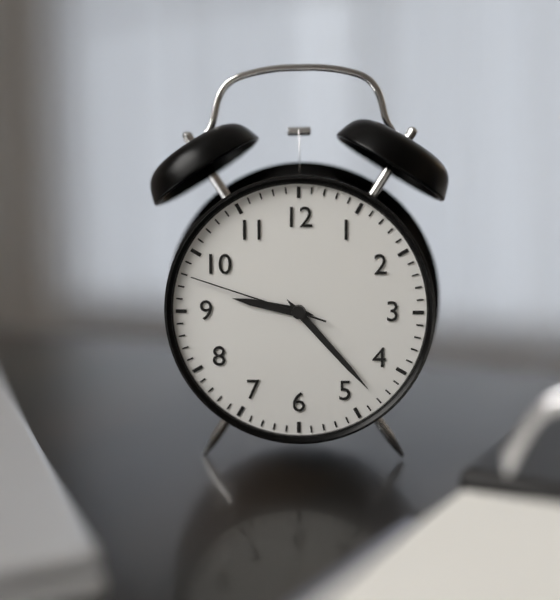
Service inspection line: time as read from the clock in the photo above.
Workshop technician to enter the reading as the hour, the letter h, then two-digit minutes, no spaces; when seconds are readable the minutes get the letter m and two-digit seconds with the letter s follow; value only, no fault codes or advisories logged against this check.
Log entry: 9h23m48s
